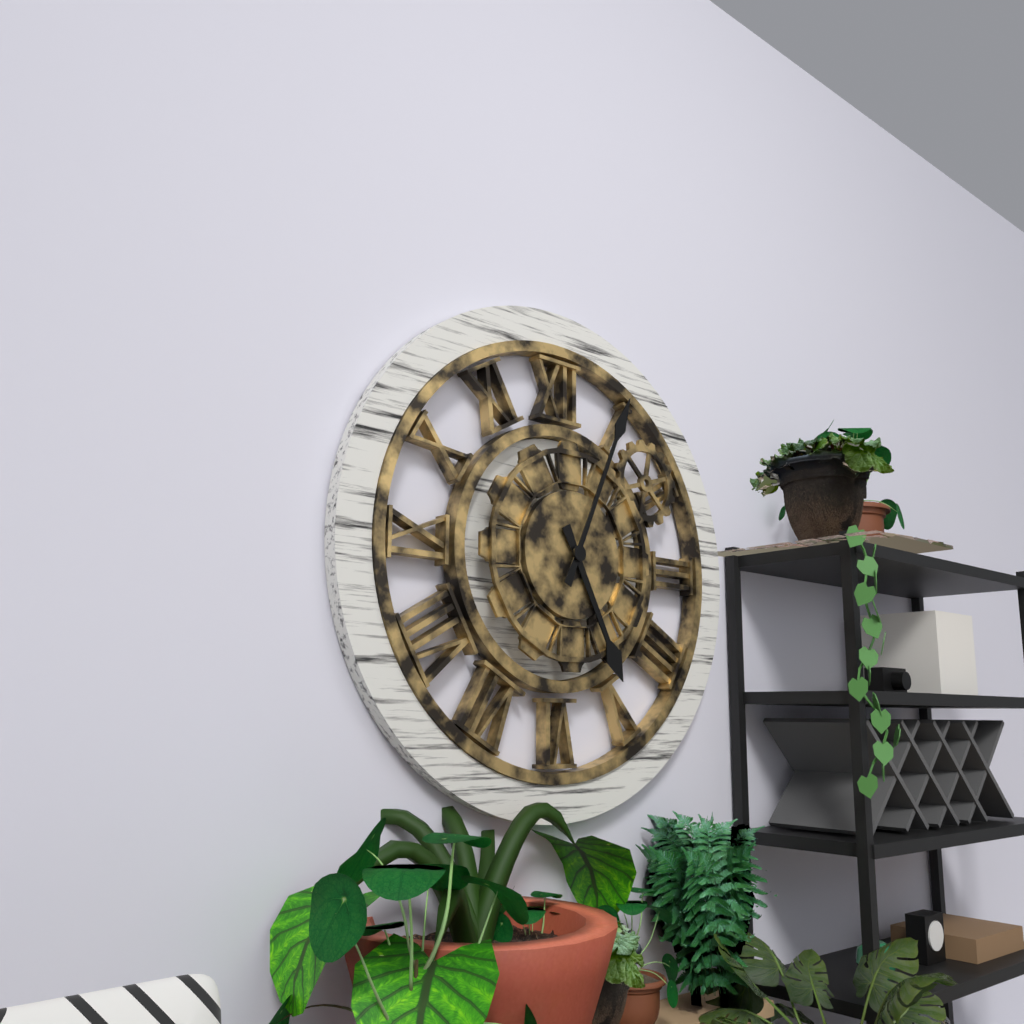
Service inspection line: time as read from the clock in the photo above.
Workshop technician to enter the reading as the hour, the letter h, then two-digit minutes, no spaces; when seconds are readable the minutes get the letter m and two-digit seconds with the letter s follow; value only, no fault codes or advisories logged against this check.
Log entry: 5h04
